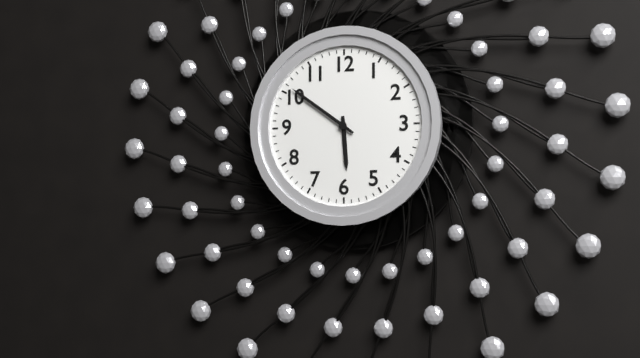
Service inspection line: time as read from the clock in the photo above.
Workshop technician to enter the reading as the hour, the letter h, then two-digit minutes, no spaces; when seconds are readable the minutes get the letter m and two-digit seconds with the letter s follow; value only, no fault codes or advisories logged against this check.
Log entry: 5h51
